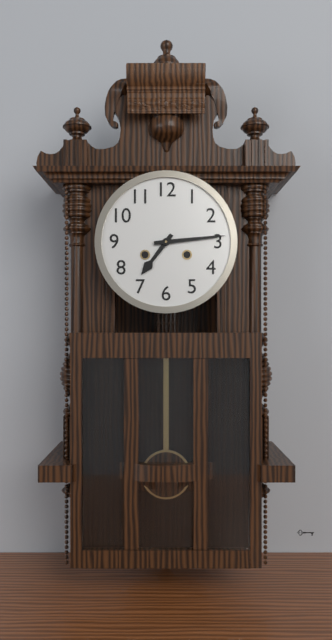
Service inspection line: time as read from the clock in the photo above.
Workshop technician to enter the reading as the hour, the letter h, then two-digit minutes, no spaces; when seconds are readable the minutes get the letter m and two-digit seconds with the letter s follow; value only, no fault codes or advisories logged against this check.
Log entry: 7h14
